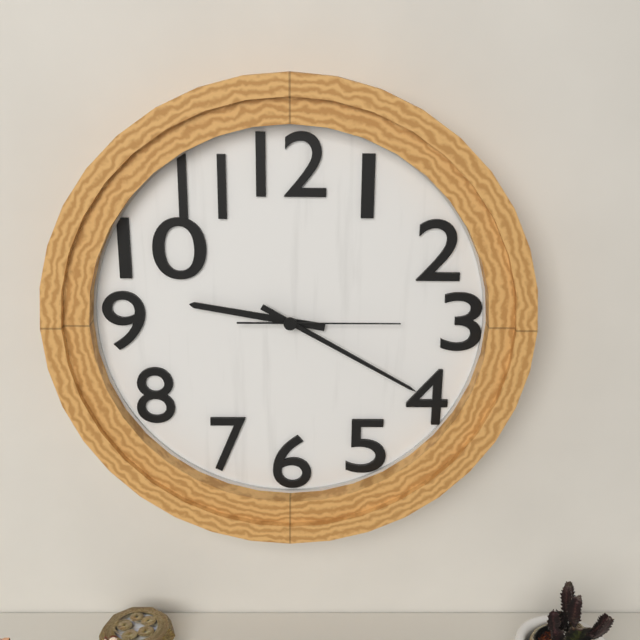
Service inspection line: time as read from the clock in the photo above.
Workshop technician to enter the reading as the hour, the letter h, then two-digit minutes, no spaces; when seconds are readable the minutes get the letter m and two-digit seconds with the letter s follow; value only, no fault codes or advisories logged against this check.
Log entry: 9h20m15s
